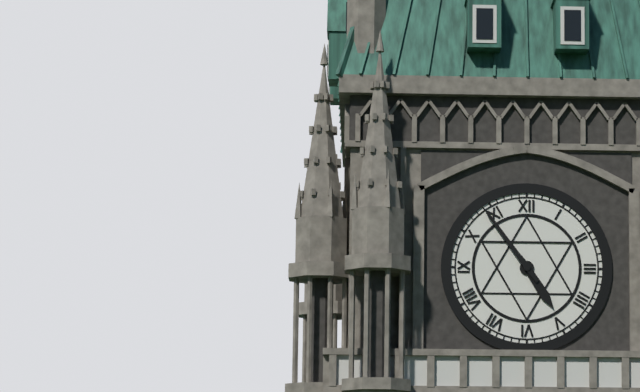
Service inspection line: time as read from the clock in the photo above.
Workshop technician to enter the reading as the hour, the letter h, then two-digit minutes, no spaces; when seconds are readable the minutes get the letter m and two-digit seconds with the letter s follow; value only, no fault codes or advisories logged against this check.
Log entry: 4h54
